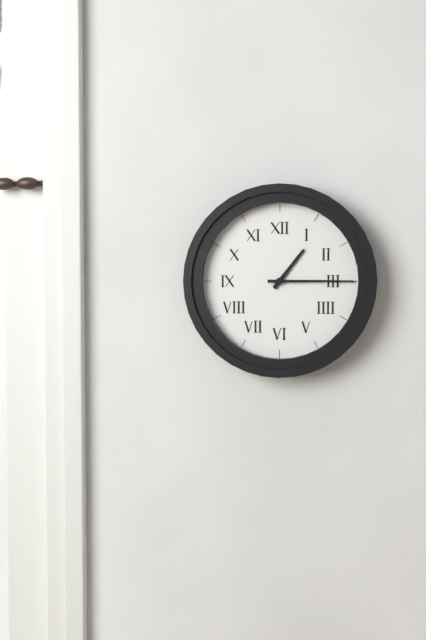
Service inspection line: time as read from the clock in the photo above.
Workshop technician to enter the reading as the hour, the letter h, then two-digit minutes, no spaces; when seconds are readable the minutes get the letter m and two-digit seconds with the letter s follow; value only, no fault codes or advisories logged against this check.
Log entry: 1h15
